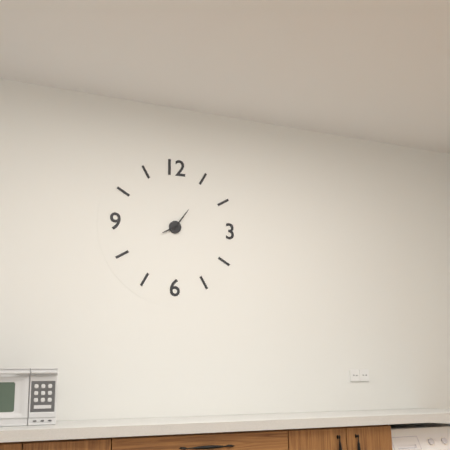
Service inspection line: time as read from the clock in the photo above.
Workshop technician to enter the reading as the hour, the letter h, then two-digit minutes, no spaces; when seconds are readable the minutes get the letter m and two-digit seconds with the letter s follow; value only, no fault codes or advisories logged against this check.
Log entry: 8h06
